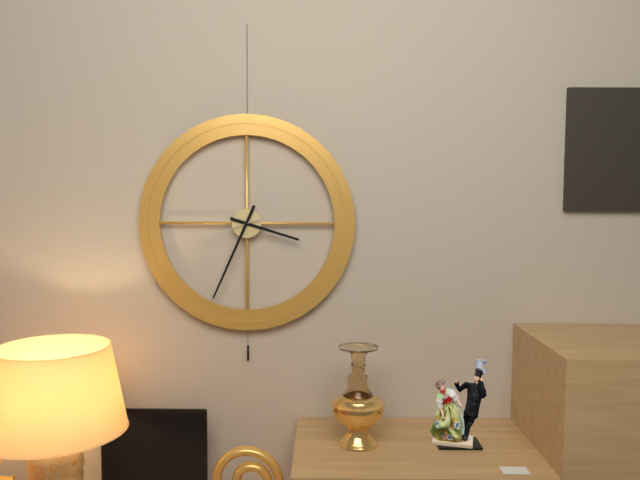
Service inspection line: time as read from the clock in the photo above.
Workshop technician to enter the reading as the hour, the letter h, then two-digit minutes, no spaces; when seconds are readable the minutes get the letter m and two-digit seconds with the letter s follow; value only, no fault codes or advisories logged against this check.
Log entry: 3h34m42s
